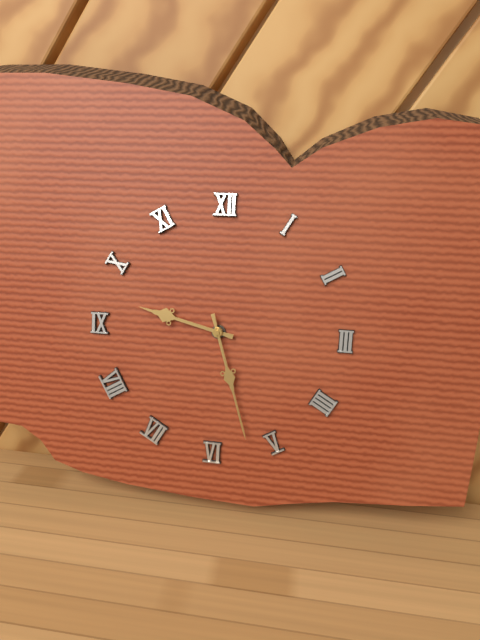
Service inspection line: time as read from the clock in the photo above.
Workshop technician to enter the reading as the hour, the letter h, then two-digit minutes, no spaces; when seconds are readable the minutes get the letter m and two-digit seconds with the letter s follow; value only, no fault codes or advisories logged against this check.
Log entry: 9h27
